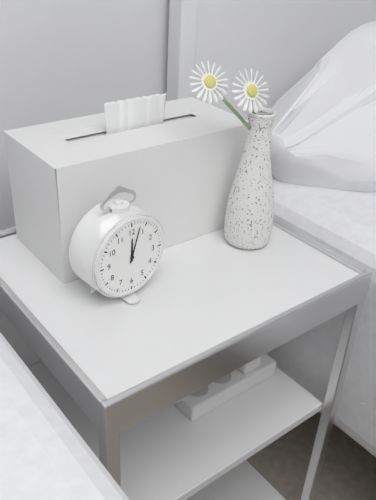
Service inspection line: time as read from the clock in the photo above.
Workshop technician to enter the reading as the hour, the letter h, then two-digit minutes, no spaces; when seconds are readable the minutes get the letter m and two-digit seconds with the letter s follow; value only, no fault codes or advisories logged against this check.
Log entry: 12h03
